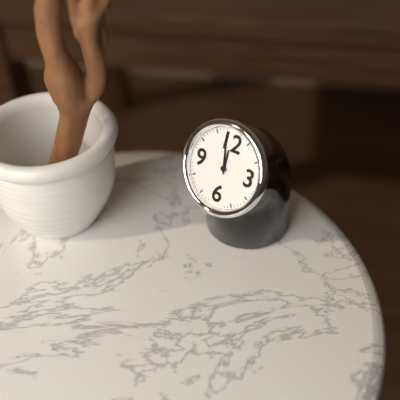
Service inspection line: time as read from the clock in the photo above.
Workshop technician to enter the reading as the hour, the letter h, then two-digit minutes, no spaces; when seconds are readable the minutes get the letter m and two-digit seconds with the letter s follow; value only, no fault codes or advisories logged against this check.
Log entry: 11h58
